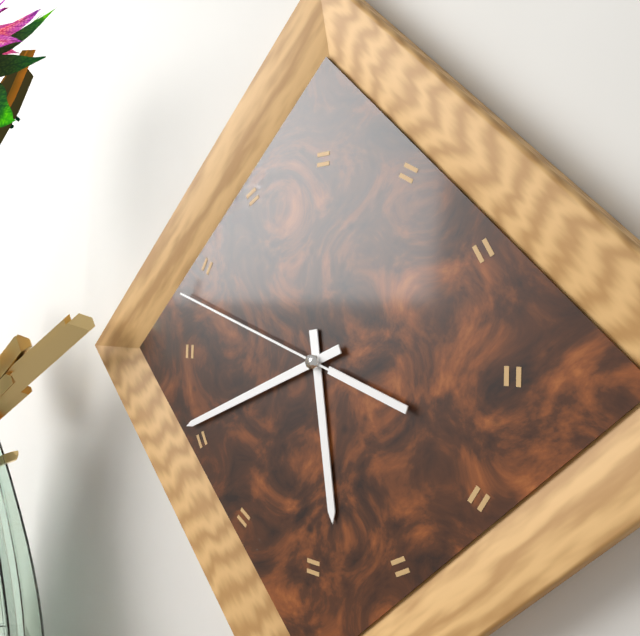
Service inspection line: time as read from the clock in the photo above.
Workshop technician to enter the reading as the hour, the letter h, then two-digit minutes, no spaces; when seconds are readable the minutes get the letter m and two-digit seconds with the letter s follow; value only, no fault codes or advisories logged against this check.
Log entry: 5h41m48s
